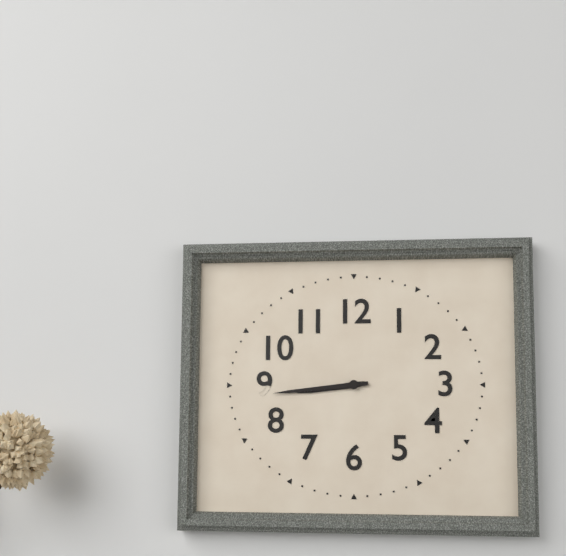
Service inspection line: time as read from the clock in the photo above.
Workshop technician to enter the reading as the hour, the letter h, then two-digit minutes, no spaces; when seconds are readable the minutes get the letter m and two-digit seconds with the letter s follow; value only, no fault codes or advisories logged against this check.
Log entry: 8h44
